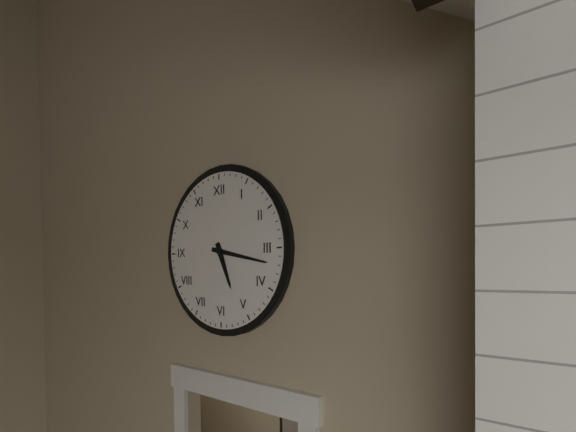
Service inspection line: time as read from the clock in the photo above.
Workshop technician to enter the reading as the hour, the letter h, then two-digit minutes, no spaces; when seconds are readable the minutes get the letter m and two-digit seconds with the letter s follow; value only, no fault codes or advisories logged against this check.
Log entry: 5h17
